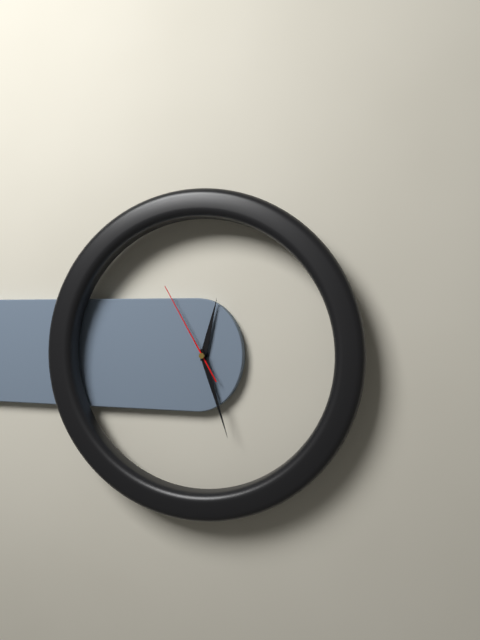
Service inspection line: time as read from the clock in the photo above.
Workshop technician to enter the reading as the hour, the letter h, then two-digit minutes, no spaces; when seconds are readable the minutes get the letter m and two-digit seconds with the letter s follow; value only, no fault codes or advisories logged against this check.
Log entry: 12h27m55s
